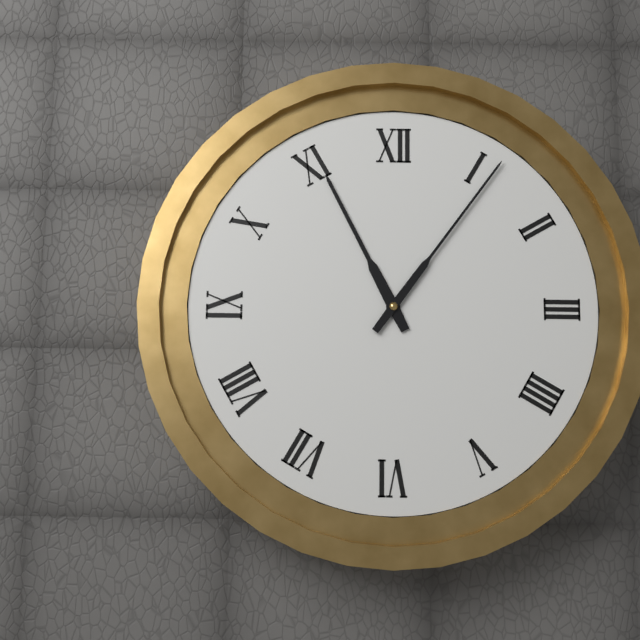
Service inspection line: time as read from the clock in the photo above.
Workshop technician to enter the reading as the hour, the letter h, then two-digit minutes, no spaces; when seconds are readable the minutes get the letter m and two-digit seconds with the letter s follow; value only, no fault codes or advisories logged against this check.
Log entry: 11h06
